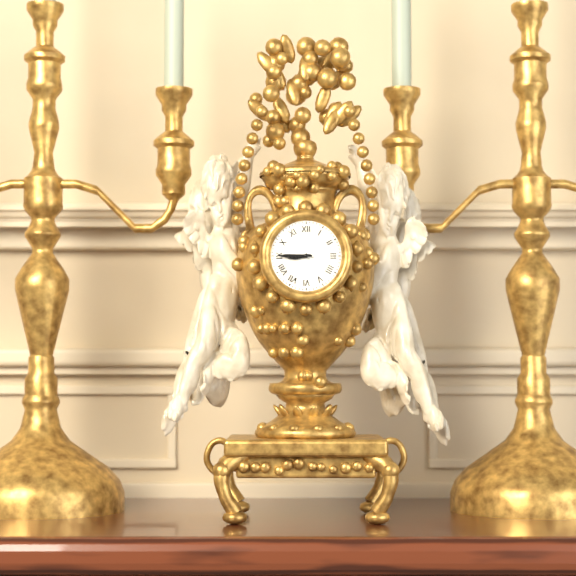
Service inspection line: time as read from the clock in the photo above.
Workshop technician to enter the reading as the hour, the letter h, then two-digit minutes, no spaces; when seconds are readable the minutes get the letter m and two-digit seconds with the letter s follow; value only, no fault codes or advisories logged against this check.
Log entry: 8h45
